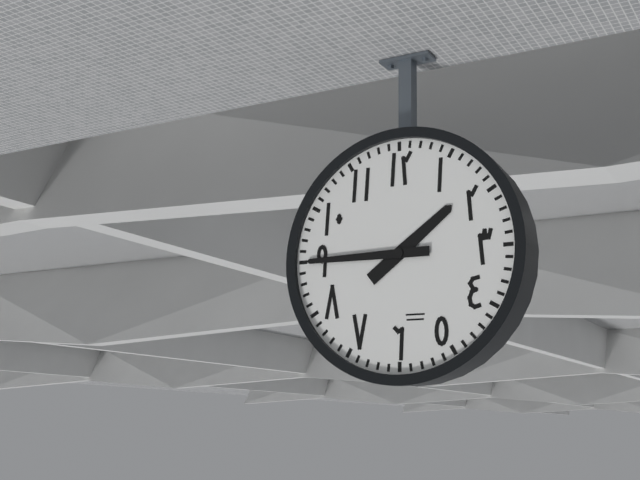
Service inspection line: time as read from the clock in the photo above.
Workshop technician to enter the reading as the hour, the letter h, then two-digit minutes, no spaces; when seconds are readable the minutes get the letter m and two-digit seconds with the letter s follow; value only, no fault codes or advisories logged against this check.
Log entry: 1h45
